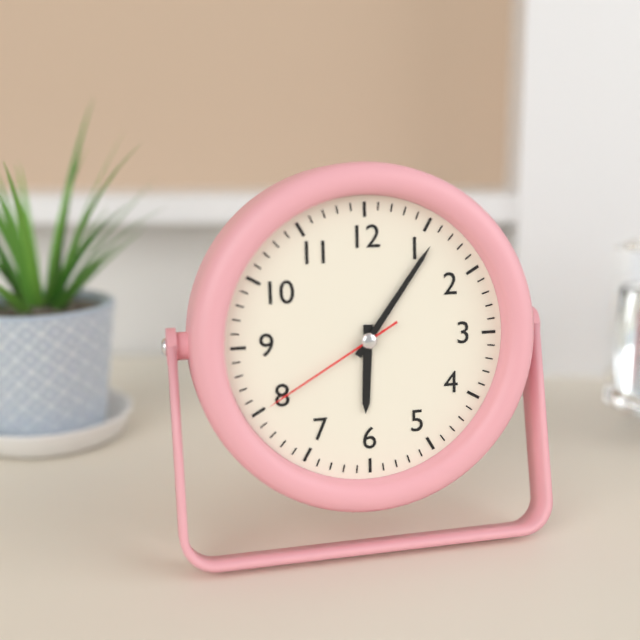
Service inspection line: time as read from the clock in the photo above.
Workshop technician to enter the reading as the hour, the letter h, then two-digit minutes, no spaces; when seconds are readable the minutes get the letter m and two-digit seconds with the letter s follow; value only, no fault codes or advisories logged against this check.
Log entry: 6h06m40s
